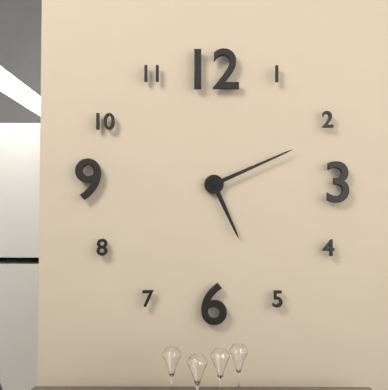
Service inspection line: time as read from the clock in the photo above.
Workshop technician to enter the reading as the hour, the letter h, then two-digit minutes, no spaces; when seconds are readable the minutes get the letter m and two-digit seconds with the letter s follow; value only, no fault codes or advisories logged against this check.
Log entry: 5h11
